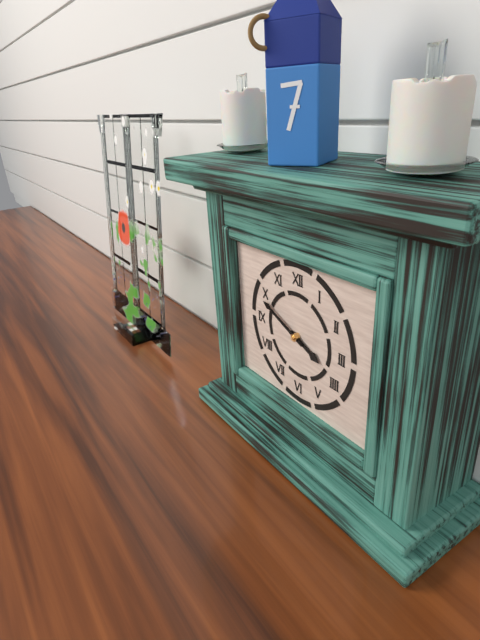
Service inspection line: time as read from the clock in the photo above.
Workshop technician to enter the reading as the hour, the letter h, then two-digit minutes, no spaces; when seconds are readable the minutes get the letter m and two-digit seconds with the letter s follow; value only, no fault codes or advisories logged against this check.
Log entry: 3h49
